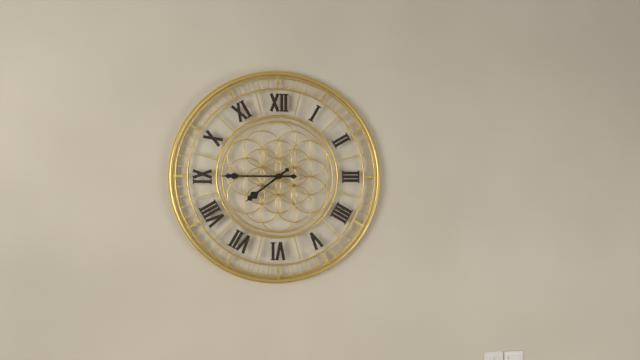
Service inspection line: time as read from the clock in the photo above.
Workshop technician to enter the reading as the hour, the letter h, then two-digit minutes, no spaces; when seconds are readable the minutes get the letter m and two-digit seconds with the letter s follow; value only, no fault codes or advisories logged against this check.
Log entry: 7h45
